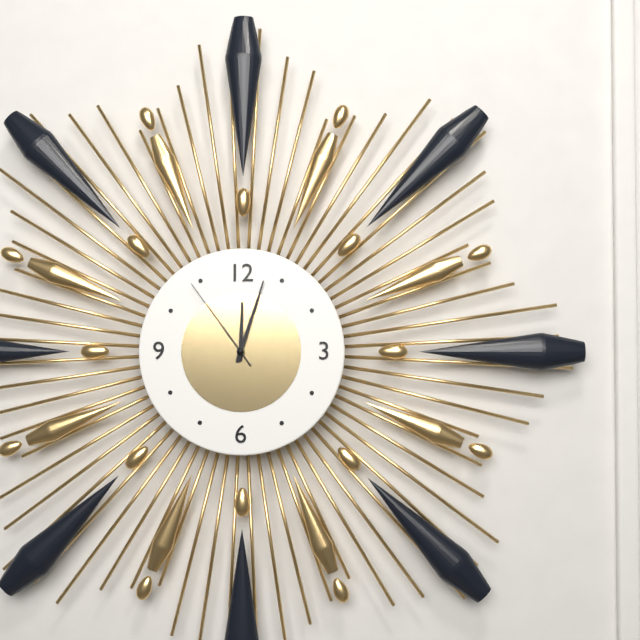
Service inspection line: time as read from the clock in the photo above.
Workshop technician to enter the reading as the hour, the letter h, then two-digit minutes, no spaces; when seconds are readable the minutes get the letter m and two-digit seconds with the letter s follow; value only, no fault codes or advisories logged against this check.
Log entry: 12h03m54s
